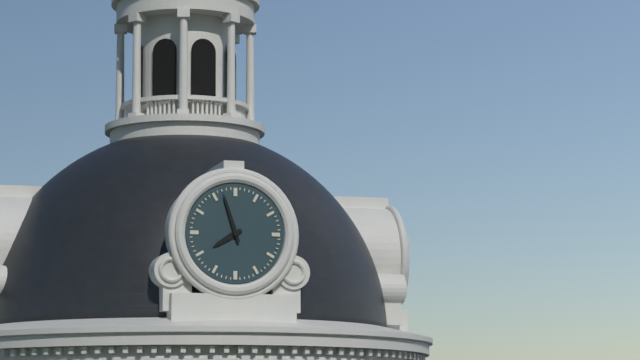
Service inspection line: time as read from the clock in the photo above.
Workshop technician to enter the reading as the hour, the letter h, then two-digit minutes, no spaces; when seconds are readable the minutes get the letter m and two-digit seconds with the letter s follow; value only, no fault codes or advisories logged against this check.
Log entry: 7h57
